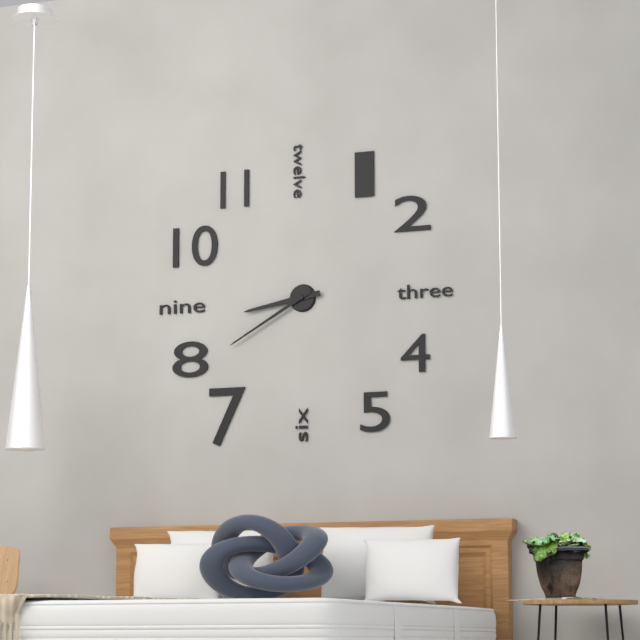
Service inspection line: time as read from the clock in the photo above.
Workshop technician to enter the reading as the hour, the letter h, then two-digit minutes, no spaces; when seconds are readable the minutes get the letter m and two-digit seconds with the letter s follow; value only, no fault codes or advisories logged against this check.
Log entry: 8h40
